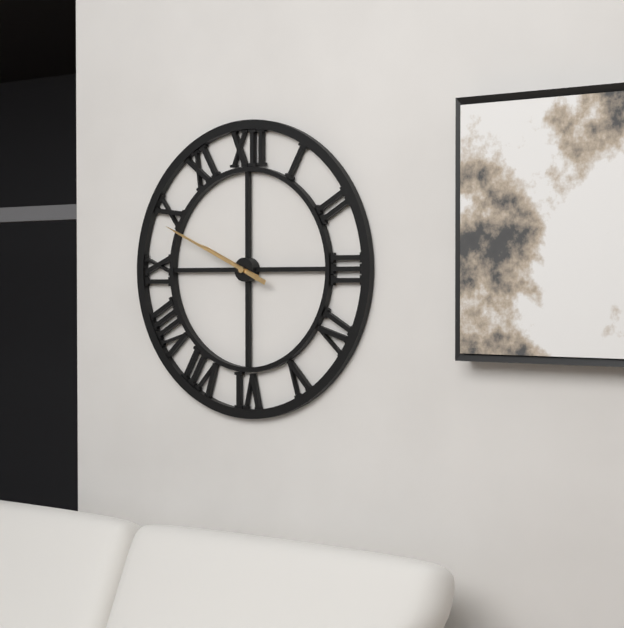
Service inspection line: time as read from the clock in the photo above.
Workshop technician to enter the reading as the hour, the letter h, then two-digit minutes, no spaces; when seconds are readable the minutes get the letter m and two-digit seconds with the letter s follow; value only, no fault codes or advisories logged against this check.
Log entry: 9h49
